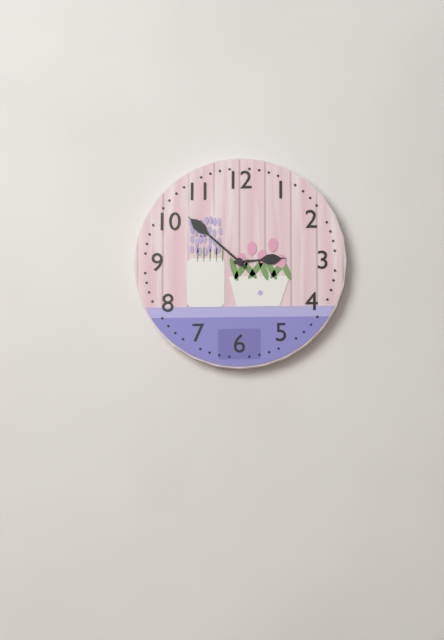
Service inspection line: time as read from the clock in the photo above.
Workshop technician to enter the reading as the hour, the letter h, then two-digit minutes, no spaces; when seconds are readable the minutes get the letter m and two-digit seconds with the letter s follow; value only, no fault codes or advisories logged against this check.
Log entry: 2h52
